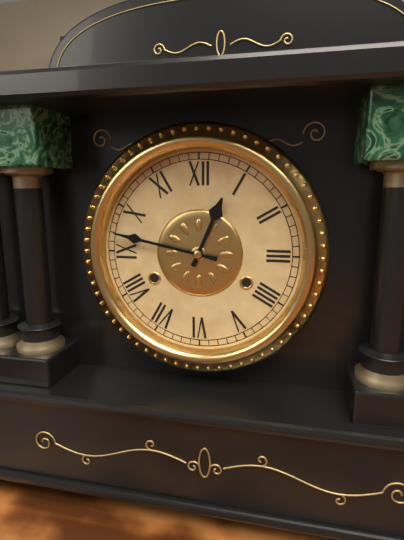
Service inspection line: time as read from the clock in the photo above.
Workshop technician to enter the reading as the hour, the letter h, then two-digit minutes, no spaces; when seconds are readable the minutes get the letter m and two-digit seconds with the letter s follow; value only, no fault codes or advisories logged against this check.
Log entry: 12h47
